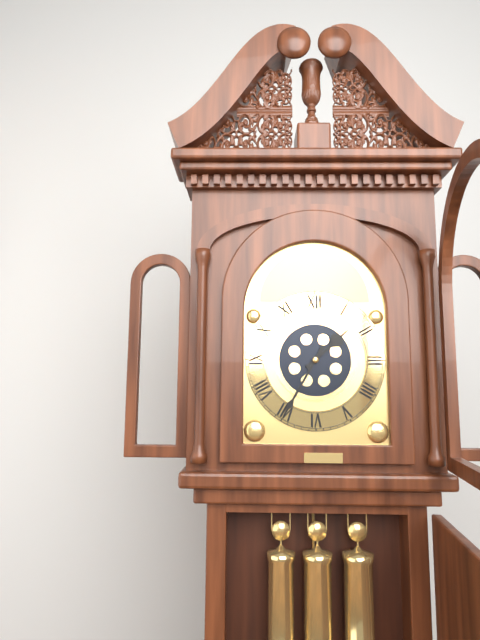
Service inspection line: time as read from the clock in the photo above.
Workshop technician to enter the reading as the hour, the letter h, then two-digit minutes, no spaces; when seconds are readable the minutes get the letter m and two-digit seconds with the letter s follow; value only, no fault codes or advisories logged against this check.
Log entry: 1h35
